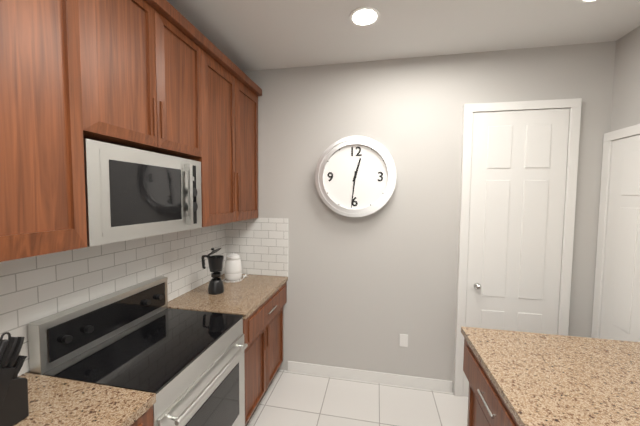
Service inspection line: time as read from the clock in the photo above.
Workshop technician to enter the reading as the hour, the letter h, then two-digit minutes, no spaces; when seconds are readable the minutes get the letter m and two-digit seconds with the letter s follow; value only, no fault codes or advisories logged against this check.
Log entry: 12h31
